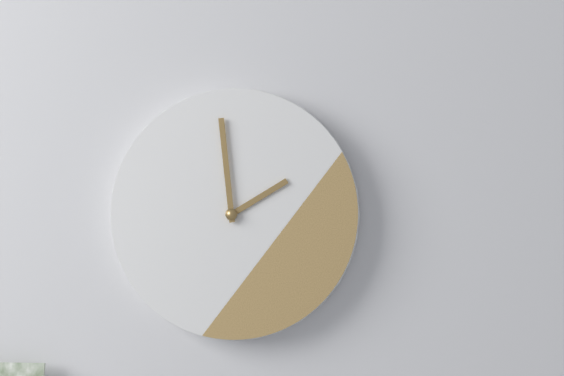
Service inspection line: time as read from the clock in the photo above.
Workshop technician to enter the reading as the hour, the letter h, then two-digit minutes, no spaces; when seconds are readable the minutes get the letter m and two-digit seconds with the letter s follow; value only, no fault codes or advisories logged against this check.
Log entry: 1h59
